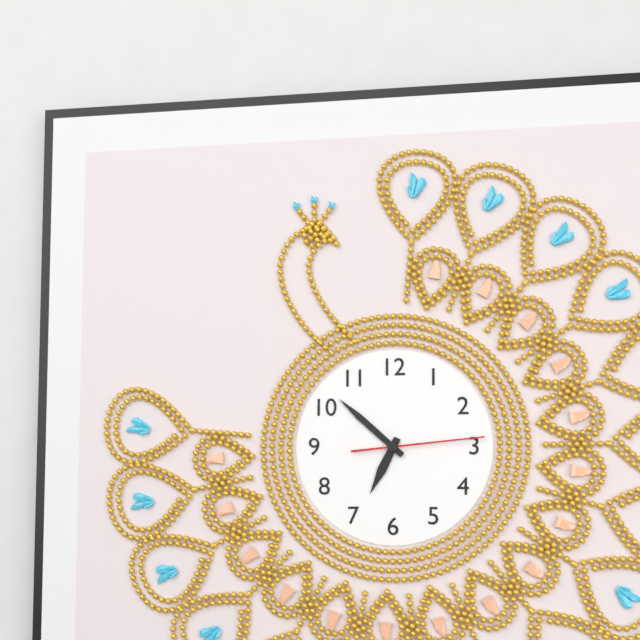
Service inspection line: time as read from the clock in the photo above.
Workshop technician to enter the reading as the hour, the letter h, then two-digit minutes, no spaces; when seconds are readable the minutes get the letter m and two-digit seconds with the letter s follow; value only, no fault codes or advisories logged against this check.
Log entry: 6h52m14s
